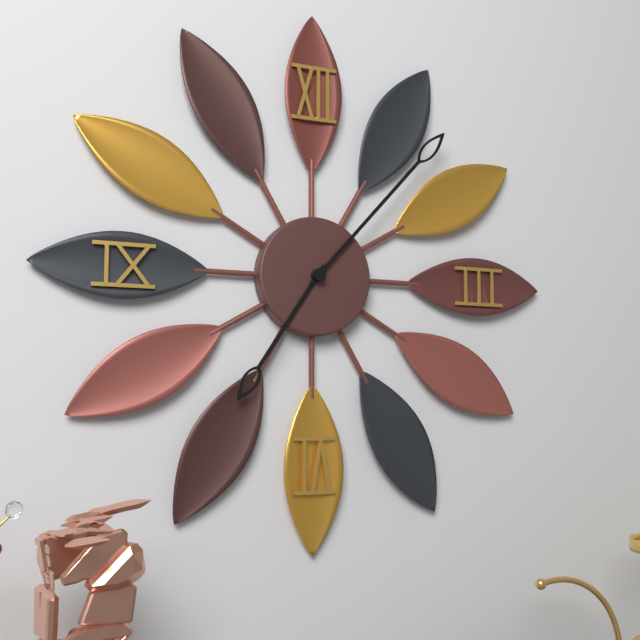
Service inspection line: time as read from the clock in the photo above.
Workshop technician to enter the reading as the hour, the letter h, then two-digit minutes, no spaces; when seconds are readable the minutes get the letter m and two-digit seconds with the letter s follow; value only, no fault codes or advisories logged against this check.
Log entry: 7h07
